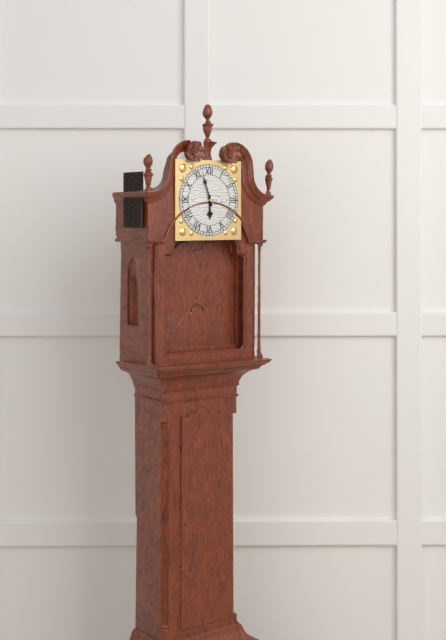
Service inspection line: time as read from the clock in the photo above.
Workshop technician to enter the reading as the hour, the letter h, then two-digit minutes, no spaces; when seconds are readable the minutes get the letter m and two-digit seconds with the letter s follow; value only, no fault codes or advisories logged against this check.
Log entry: 5h57
